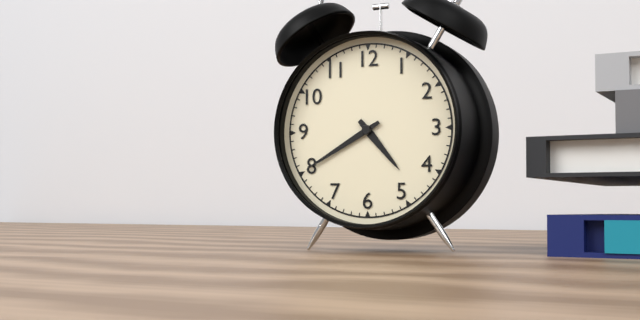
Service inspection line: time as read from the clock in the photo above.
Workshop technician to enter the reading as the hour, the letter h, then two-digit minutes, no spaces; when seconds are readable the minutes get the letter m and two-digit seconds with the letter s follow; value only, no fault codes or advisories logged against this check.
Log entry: 4h40
